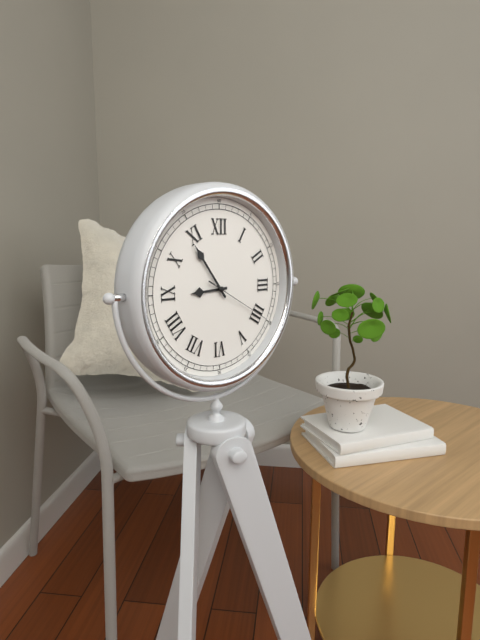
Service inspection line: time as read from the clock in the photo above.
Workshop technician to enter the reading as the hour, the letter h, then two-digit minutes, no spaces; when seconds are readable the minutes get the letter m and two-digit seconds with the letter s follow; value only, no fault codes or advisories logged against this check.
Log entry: 8h54m20s
